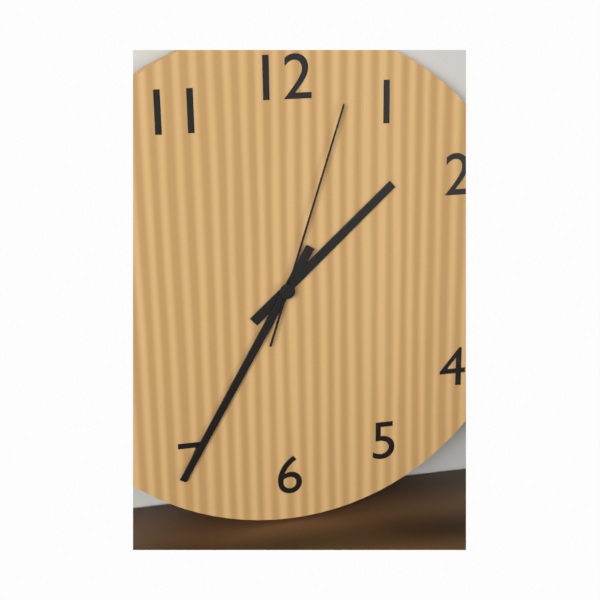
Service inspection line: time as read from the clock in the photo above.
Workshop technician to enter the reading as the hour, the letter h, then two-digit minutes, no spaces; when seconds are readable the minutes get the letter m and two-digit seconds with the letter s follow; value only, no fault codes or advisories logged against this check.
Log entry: 1h35m03s
